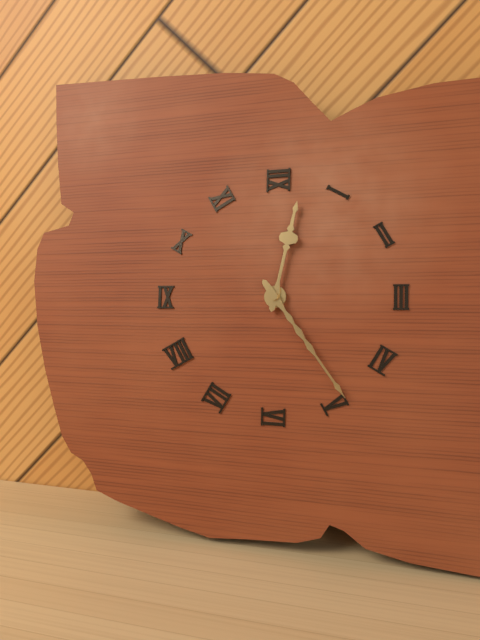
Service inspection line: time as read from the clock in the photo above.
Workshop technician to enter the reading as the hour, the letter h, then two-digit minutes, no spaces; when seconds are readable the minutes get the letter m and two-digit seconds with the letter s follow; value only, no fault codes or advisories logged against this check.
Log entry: 12h24
